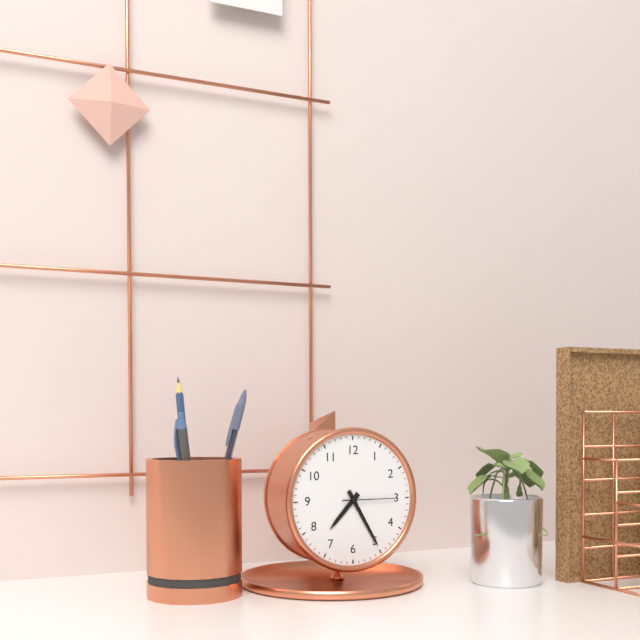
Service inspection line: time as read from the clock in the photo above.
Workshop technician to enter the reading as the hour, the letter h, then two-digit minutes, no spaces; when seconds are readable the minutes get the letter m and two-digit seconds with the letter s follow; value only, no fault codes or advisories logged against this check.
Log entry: 7h25m15s
